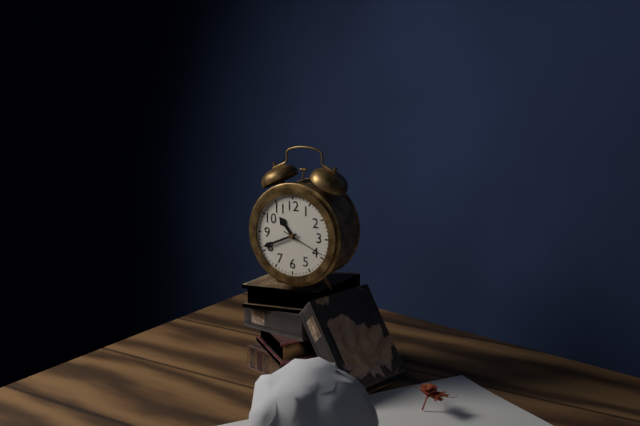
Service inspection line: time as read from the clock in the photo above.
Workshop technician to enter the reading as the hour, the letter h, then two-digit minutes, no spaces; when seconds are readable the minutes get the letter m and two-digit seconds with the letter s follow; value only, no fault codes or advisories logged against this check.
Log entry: 10h41
